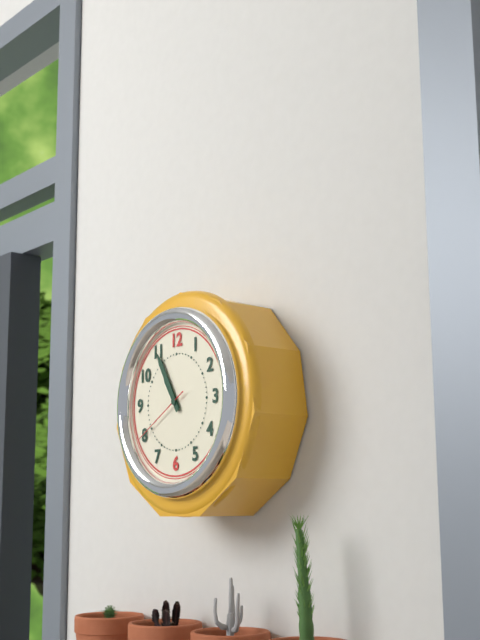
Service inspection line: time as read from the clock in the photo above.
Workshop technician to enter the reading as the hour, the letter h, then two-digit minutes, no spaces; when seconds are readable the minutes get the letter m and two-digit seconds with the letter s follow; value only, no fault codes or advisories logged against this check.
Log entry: 10h55m40s
